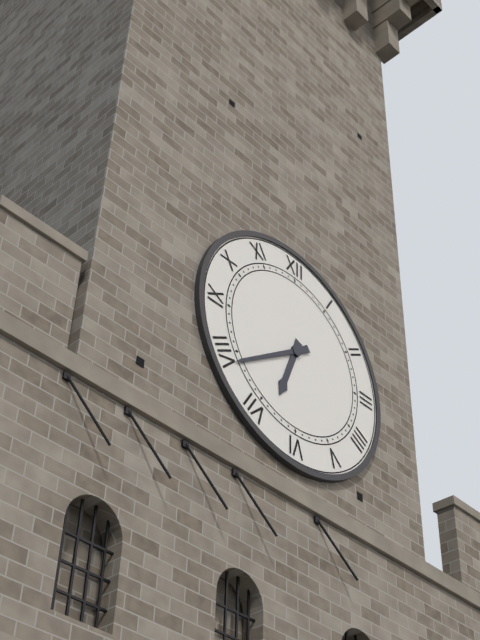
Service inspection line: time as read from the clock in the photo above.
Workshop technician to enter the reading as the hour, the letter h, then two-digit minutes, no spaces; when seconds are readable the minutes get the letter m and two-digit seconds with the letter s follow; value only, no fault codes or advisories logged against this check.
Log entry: 6h39
